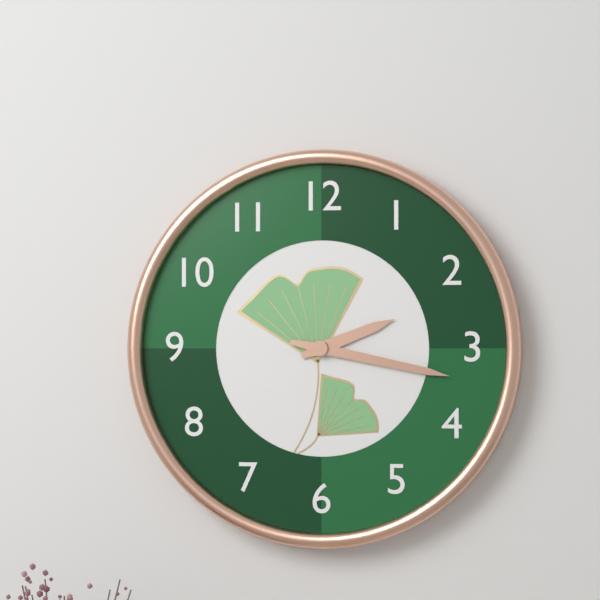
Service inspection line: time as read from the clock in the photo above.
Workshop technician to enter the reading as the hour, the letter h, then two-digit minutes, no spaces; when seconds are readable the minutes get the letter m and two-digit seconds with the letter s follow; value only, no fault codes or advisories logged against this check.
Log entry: 2h17
